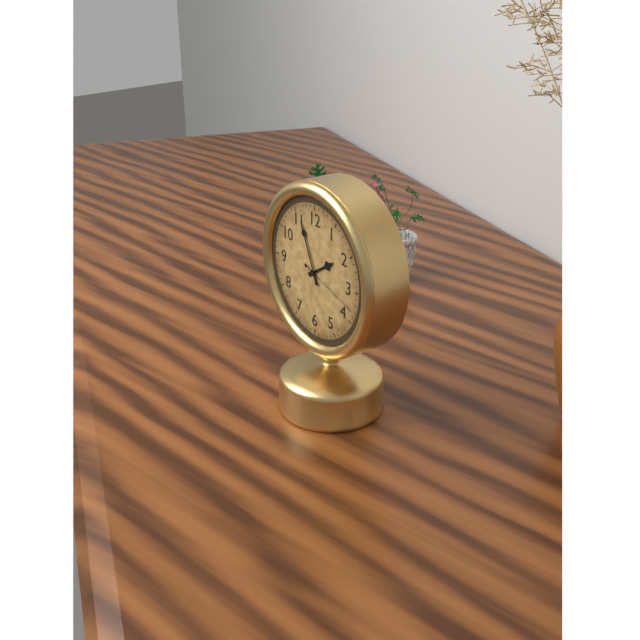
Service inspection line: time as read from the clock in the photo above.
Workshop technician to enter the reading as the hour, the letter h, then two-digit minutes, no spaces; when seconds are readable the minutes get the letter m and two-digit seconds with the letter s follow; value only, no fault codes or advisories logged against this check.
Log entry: 1h56m18s
